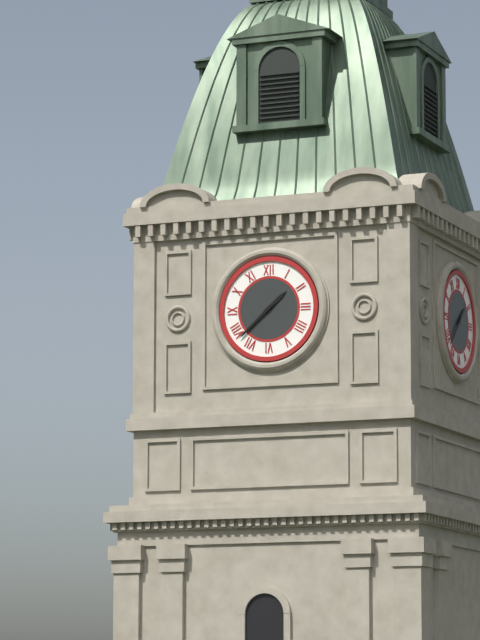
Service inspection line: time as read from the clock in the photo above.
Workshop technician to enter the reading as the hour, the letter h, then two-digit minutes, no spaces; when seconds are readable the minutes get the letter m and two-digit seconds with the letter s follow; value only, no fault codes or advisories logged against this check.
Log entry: 1h38
